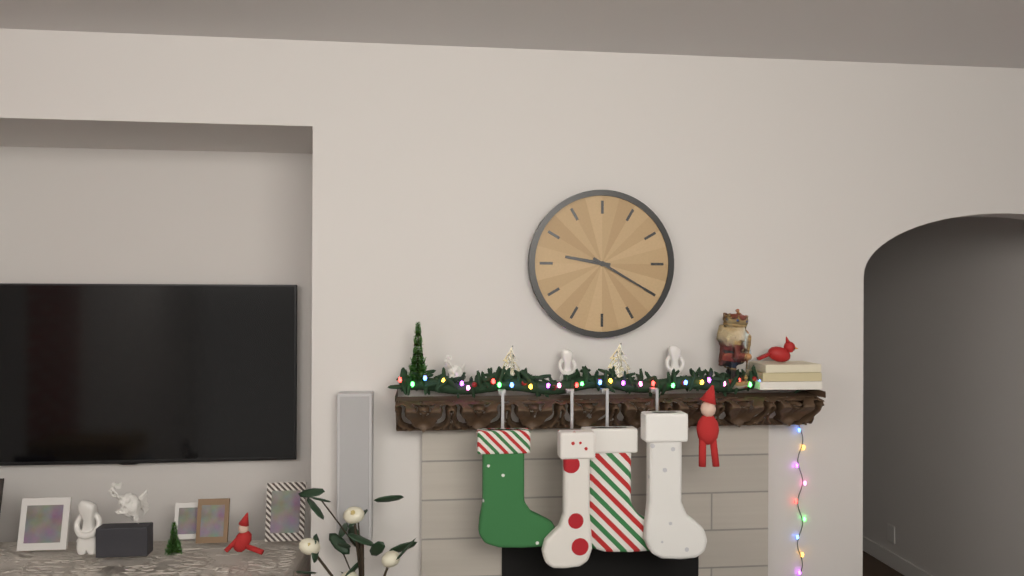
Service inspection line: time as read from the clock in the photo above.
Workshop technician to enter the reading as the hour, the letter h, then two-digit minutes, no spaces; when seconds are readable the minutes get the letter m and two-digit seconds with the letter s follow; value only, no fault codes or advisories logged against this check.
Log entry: 9h20
